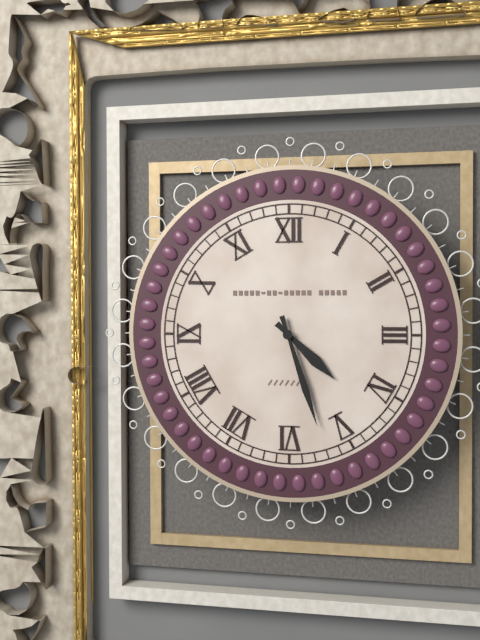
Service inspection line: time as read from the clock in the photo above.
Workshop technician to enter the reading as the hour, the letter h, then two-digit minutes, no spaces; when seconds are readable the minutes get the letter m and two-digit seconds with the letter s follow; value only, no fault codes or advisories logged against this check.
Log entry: 4h27
